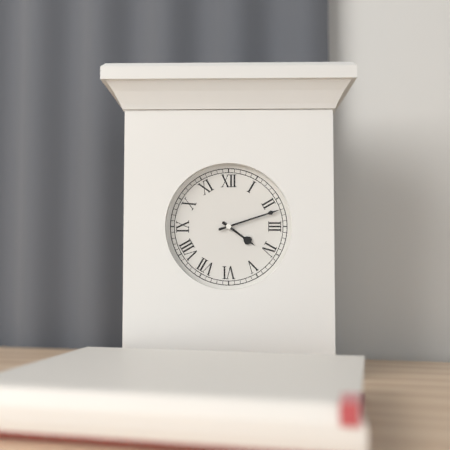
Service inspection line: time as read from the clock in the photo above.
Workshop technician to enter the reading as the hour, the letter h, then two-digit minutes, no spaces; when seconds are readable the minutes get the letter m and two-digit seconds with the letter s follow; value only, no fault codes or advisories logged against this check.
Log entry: 4h12
